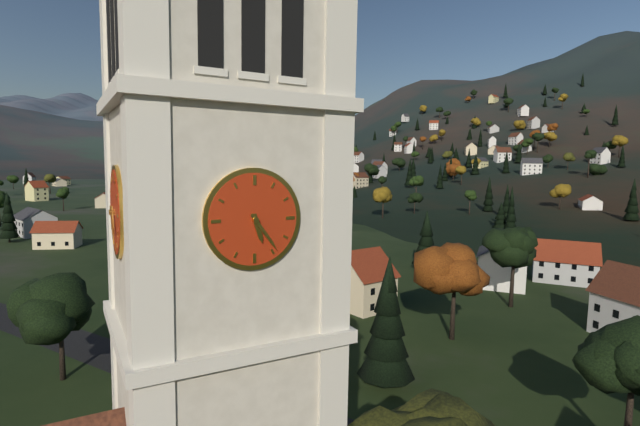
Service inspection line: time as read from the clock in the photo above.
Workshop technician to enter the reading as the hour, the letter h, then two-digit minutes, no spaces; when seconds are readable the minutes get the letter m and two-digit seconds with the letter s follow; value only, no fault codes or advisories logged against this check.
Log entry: 5h24
